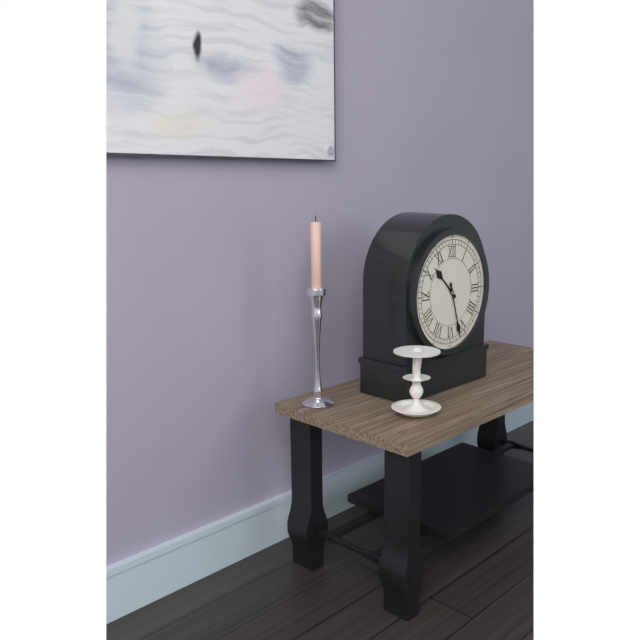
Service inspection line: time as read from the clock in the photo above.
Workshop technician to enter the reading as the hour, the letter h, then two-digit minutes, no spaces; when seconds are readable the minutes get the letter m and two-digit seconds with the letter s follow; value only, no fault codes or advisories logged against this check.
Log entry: 10h27
